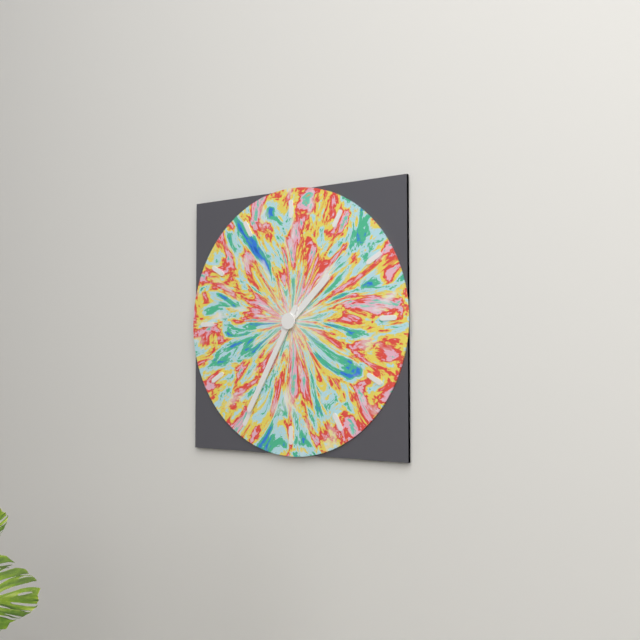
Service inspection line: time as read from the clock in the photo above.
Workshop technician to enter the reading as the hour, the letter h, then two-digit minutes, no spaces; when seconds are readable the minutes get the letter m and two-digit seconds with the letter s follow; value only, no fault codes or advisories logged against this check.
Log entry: 1h35
